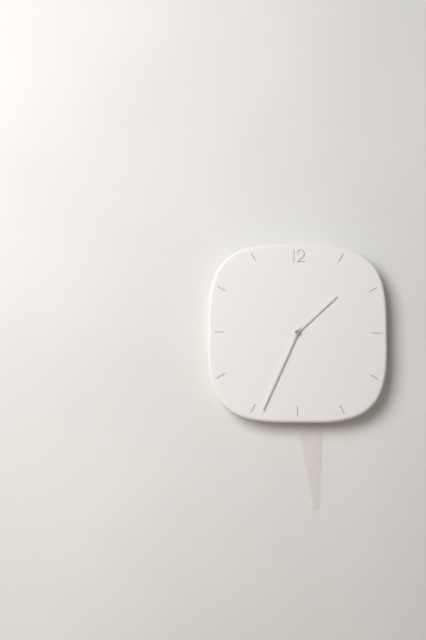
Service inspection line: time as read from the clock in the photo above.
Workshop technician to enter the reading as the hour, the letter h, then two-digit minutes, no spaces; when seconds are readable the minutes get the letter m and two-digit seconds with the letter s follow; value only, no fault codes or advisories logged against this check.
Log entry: 1h34
